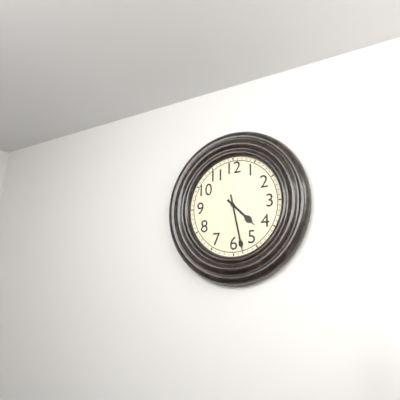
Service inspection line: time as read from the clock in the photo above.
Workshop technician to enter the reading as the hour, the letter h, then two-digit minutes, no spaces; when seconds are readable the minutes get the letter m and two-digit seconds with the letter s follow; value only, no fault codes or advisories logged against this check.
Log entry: 4h28
